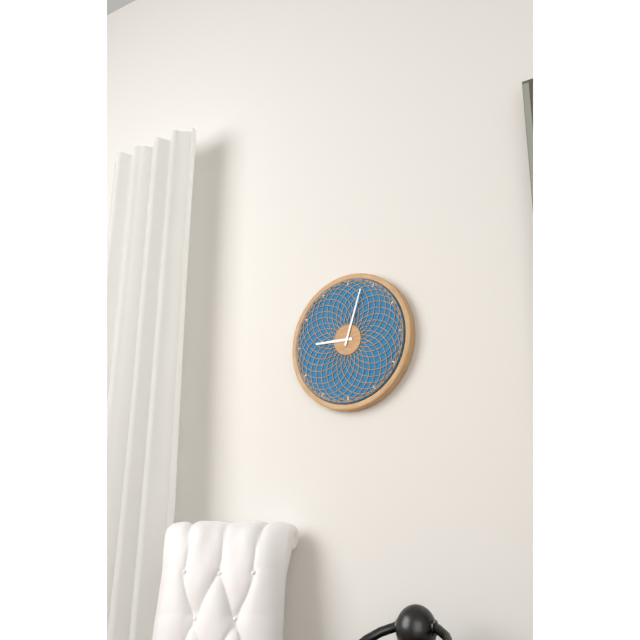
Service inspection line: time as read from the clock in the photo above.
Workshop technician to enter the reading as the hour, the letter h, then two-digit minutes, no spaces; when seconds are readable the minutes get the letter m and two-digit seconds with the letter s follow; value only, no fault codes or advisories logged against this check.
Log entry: 9h03
